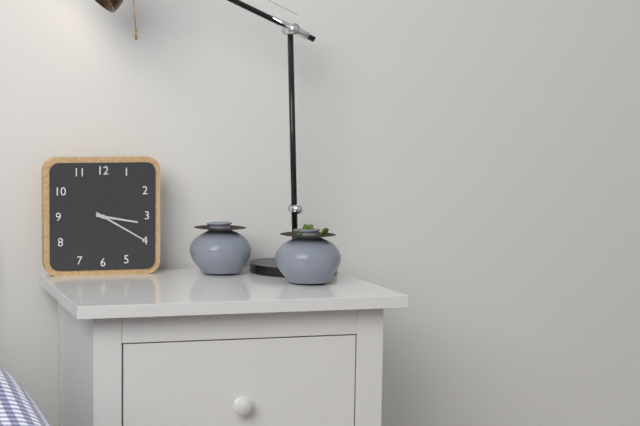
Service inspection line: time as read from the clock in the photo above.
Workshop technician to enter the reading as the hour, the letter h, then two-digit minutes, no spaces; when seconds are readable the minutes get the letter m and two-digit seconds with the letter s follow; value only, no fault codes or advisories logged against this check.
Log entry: 3h20
